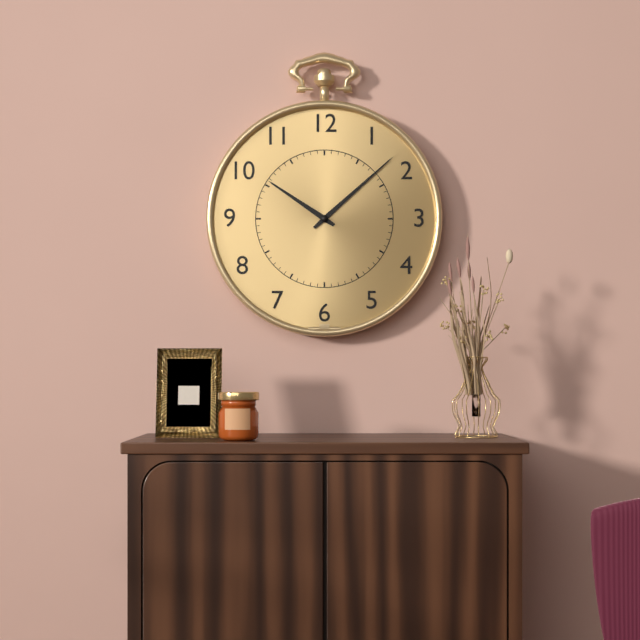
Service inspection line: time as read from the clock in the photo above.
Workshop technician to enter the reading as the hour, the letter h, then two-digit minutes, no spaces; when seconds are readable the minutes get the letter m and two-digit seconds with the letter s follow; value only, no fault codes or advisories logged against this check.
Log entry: 10h08
